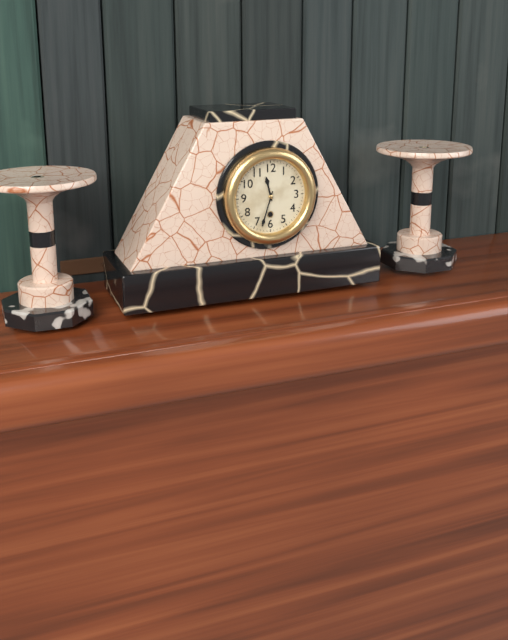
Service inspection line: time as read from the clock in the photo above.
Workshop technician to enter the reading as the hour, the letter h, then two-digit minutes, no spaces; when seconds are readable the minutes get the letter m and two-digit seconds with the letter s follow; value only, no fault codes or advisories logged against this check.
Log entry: 11h33
